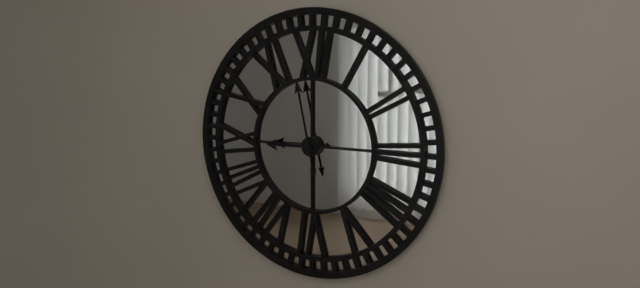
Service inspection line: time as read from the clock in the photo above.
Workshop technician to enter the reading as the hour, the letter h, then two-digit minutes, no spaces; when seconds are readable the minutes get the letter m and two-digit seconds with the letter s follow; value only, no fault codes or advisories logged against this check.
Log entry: 8h58
